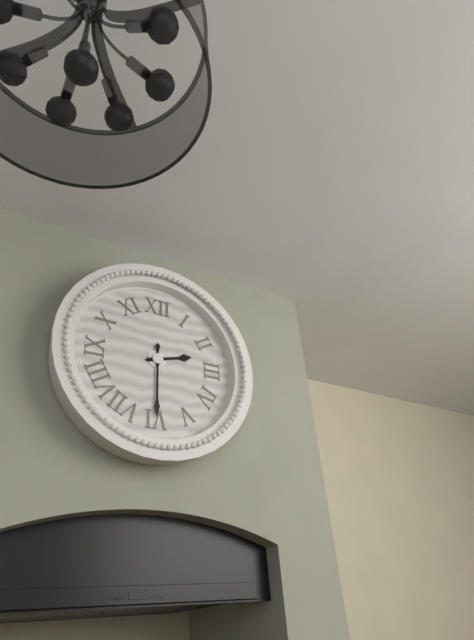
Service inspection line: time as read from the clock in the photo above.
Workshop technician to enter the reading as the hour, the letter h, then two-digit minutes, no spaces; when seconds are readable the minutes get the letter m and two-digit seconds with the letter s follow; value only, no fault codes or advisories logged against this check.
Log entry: 2h30
